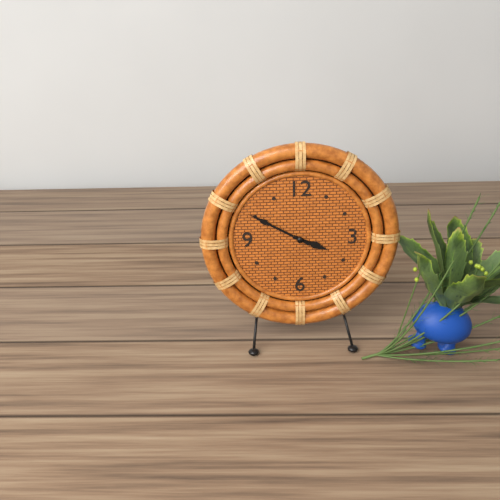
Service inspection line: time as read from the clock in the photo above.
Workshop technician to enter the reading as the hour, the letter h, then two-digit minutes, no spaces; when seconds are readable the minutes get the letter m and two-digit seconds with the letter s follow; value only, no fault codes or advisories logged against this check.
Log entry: 3h50
